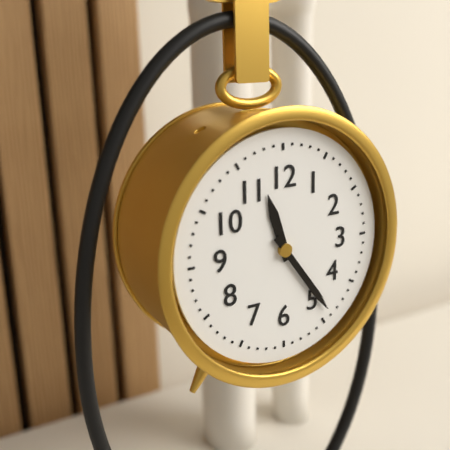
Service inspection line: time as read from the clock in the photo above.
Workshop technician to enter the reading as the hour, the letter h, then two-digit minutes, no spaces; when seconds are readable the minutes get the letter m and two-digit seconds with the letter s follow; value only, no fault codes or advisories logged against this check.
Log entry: 11h24
